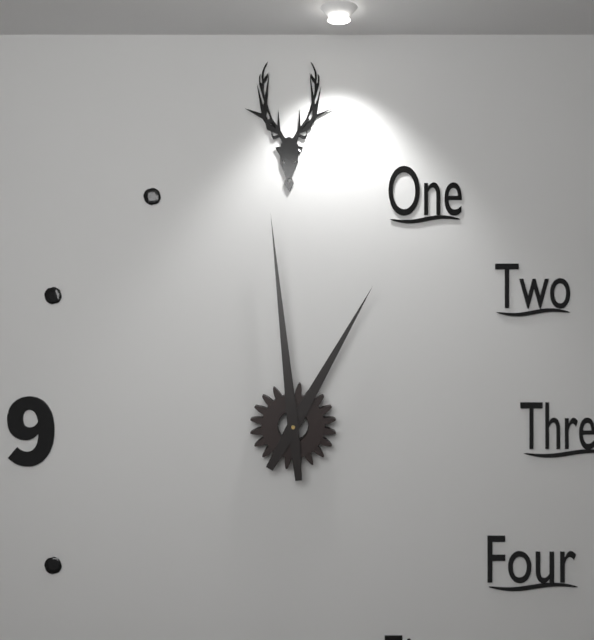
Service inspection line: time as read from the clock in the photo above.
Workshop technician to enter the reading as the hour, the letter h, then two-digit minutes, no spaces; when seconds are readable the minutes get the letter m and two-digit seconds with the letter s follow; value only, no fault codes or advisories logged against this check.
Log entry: 12h59
